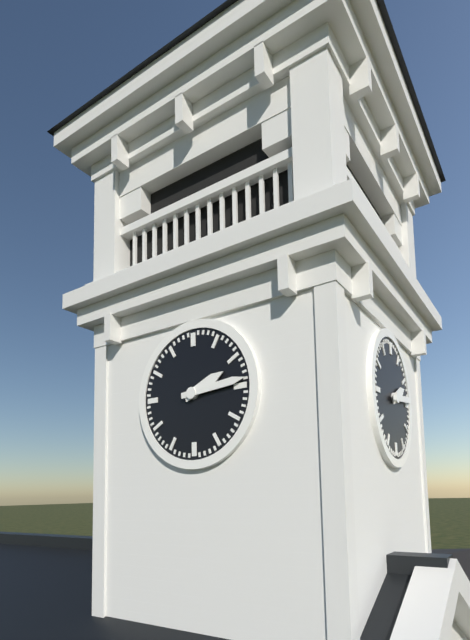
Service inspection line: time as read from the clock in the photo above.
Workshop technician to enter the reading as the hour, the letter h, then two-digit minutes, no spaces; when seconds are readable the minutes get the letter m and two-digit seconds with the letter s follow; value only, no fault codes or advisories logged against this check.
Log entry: 2h14
